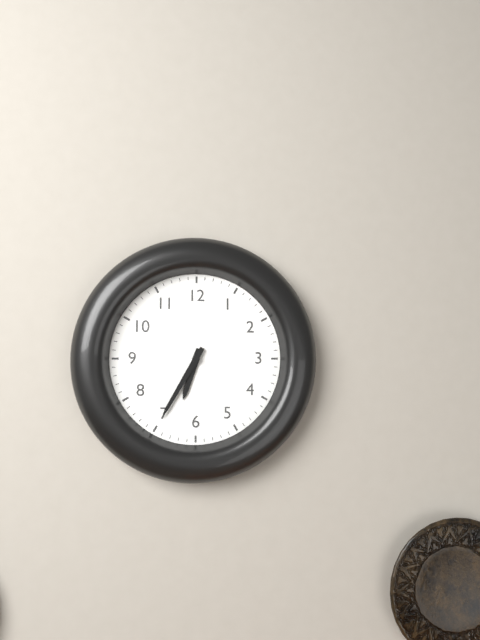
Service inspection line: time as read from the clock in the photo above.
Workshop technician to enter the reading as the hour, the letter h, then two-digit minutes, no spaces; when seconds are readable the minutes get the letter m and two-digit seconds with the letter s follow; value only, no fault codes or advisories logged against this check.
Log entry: 6h35
